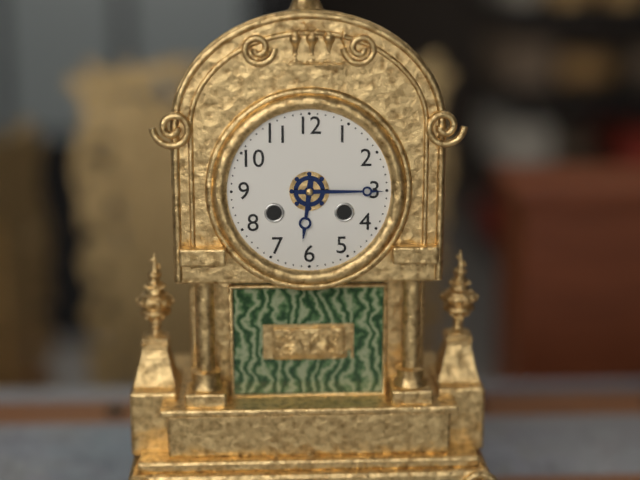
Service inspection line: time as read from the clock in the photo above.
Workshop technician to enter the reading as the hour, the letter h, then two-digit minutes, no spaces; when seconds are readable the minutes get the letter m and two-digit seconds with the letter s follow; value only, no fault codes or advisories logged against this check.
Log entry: 6h15
